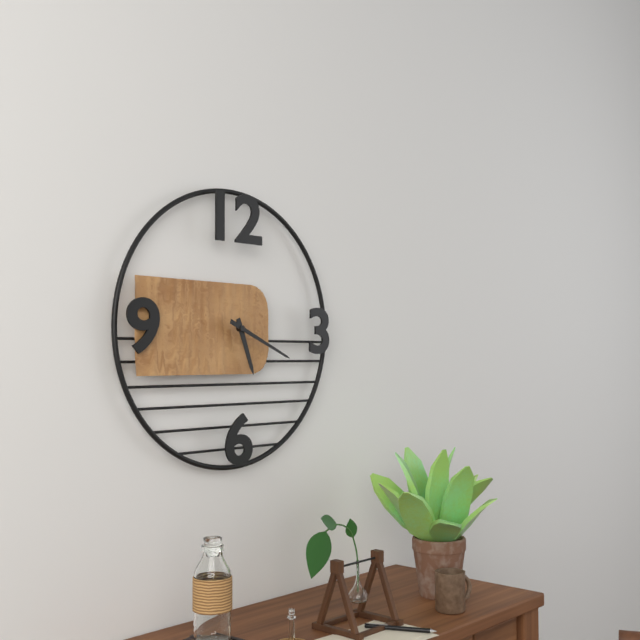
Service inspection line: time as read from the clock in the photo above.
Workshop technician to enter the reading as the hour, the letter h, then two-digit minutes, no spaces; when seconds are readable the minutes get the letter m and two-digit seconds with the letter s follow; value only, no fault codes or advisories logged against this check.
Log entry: 5h19
